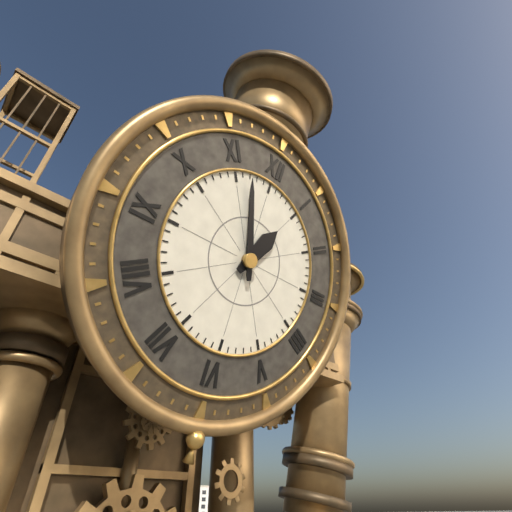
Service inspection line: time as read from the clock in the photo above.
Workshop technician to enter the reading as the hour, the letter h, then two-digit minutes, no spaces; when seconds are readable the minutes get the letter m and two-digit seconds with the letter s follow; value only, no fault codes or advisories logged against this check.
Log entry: 12h57
